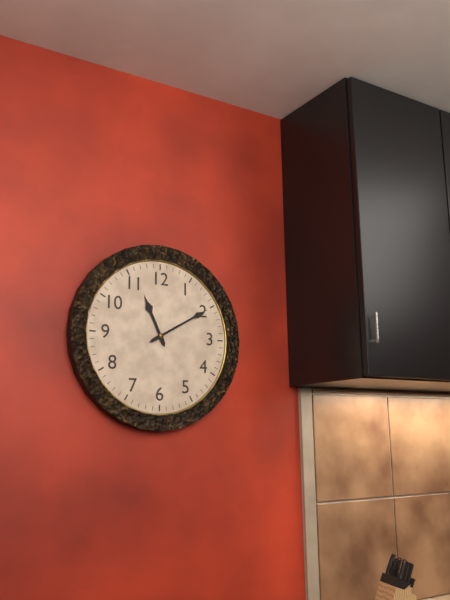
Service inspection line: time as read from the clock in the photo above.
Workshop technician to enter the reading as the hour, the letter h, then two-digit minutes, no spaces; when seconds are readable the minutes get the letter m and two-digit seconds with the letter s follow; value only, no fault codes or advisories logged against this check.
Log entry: 11h10
